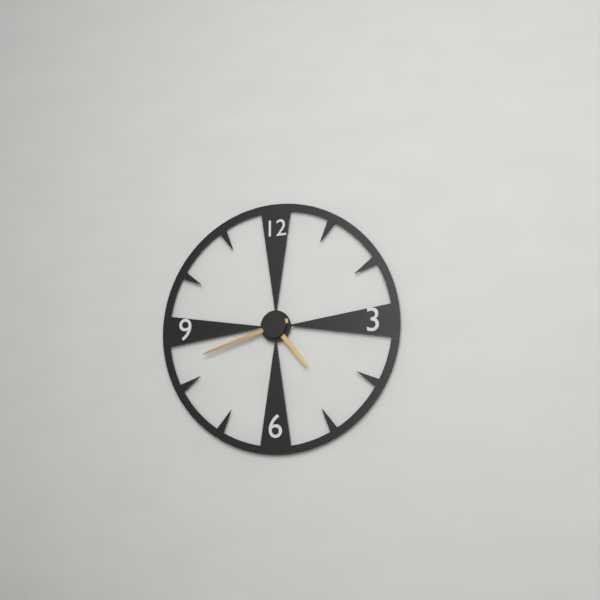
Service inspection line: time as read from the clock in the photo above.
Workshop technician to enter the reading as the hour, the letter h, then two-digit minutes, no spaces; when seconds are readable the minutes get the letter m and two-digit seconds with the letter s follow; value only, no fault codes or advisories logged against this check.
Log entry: 4h42
